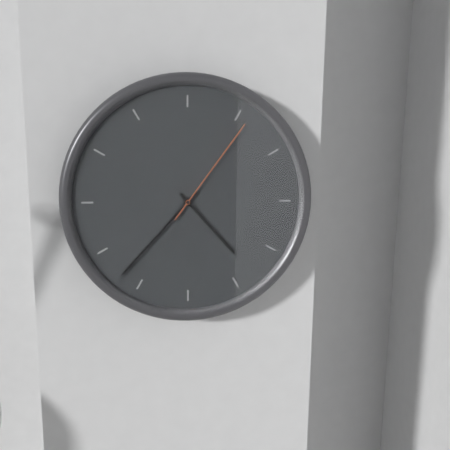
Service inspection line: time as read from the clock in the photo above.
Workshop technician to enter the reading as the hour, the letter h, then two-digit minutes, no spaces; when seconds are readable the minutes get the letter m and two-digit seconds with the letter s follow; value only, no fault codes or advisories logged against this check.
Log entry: 4h37m06s
